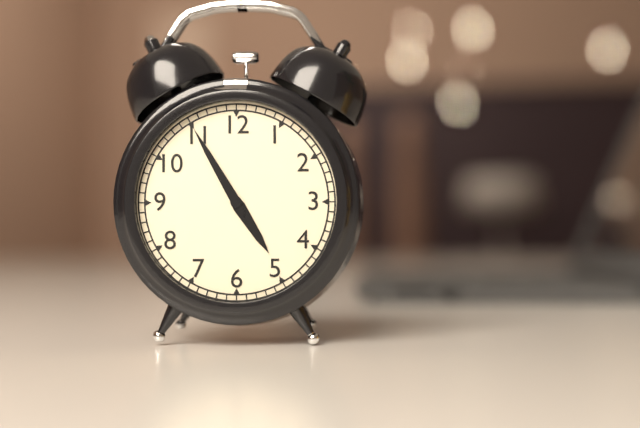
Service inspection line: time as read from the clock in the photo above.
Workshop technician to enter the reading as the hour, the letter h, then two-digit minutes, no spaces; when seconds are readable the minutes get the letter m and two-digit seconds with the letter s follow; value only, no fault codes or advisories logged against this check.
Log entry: 4h55
